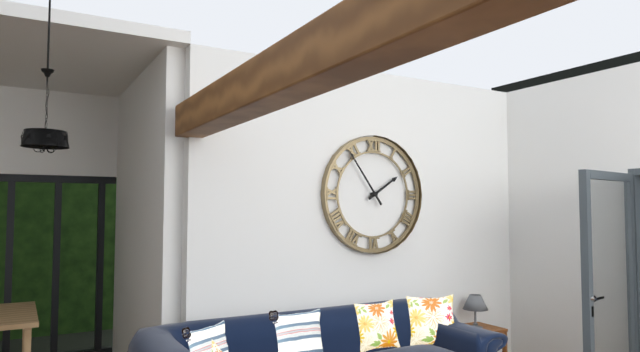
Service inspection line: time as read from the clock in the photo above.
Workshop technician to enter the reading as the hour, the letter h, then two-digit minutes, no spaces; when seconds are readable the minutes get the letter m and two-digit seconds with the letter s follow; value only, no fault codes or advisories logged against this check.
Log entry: 1h54
